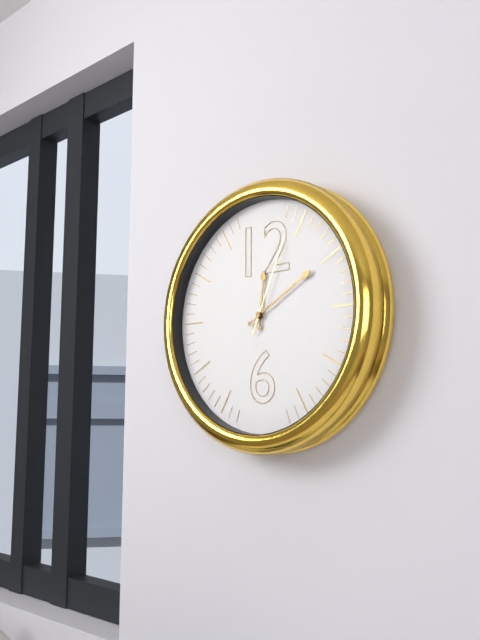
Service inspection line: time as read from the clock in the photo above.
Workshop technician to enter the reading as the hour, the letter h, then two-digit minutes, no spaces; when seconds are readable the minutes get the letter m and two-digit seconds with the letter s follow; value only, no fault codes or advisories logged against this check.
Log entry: 12h10m04s
